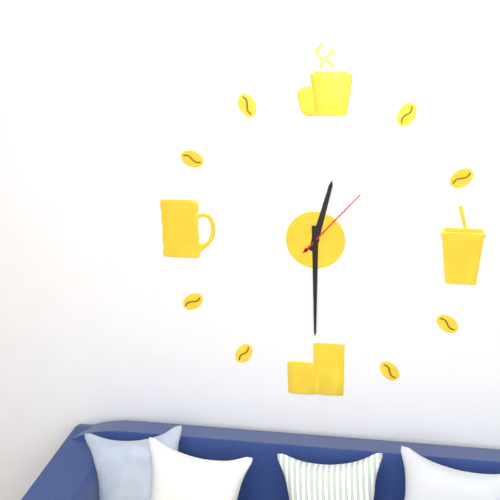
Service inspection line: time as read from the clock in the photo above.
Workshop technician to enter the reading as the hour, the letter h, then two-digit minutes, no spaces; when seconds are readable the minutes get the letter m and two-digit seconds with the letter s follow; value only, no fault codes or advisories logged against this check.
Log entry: 12h30m07s
